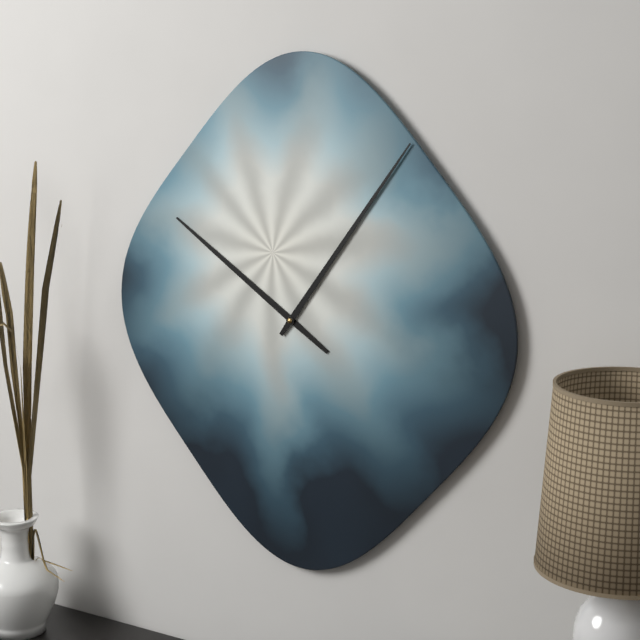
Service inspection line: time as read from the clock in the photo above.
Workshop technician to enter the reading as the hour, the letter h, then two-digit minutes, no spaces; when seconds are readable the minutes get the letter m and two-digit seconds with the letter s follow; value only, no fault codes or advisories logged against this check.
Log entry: 10h06
